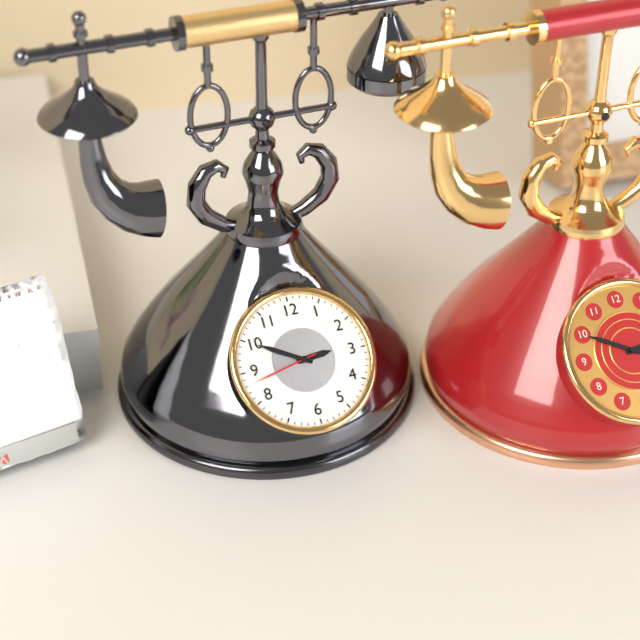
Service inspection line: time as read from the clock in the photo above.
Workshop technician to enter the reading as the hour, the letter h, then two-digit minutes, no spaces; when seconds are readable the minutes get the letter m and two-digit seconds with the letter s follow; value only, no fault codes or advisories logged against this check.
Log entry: 2h50m43s
